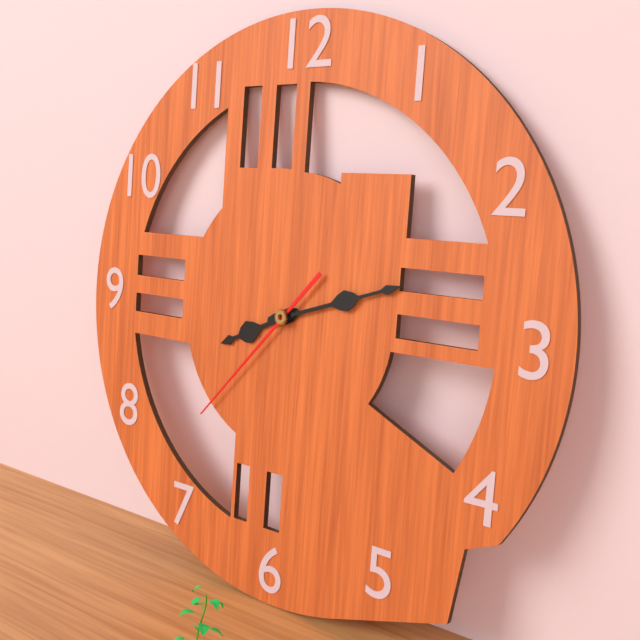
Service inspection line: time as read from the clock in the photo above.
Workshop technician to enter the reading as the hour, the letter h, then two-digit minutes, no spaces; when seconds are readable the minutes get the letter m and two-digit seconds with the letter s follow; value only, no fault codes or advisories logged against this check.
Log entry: 8h12m37s
